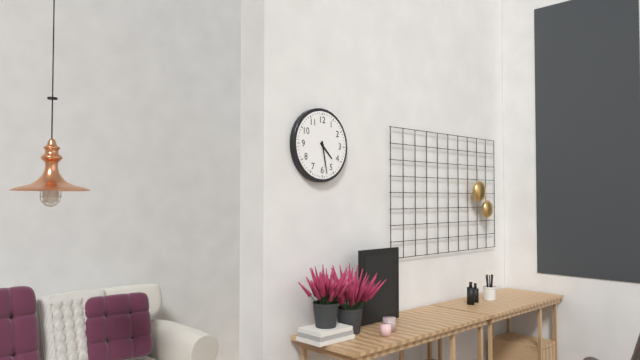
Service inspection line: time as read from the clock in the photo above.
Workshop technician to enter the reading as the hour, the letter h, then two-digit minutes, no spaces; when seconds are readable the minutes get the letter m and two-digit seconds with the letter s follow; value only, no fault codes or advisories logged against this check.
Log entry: 4h28
